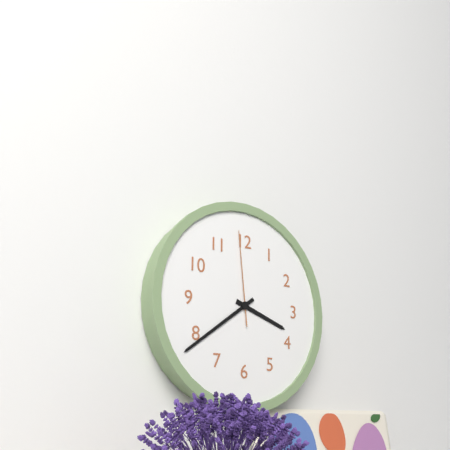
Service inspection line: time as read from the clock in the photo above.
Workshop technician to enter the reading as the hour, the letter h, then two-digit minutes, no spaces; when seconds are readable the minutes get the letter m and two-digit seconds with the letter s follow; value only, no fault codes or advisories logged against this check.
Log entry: 3h39m59s
